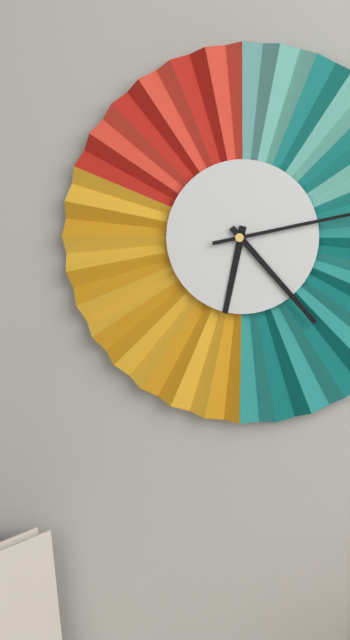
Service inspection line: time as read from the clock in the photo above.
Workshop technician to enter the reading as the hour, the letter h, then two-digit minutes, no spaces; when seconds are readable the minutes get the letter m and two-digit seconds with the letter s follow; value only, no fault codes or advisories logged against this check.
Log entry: 6h23
